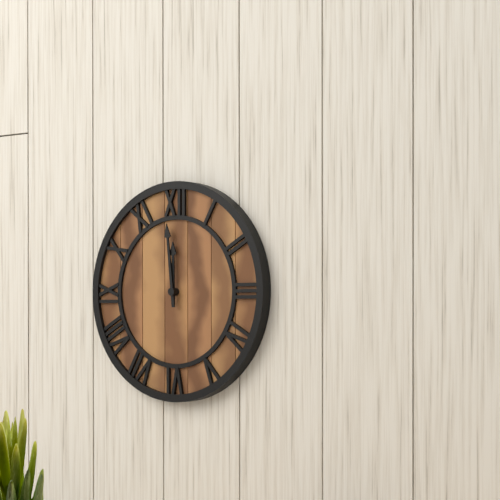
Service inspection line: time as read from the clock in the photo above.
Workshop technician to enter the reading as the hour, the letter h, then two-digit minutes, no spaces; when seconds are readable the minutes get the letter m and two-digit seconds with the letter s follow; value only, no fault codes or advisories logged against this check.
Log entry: 11h59
